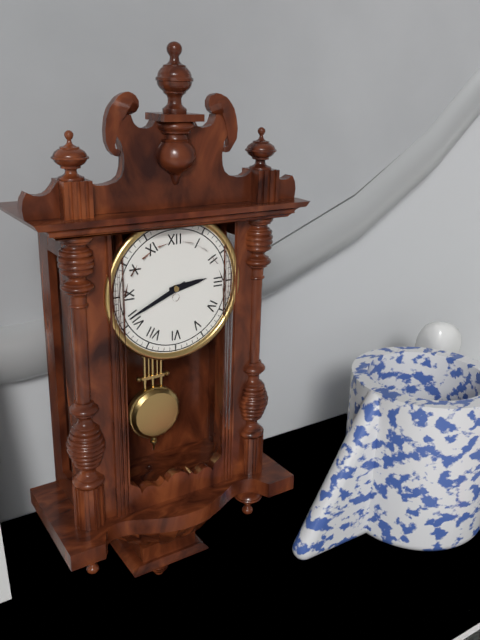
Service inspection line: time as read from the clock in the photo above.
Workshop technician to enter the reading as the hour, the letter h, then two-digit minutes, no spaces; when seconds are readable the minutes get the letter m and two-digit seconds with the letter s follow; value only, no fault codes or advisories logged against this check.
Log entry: 2h41
